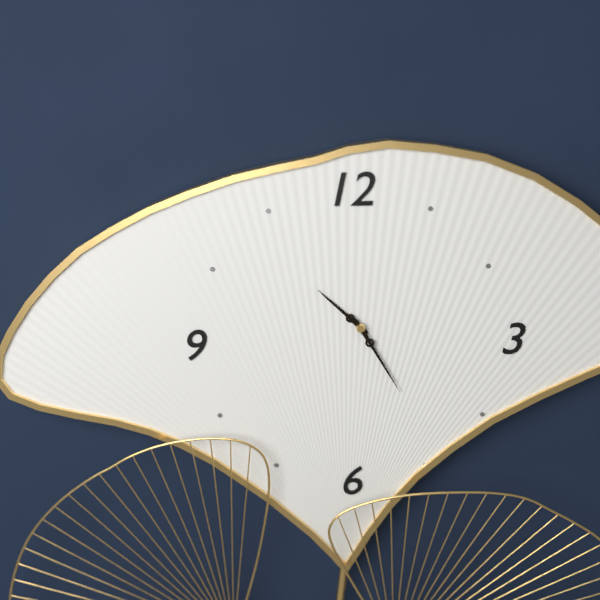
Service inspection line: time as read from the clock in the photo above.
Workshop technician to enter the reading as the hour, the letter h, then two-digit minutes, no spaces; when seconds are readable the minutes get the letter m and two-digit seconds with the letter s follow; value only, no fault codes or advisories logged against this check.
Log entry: 10h25
